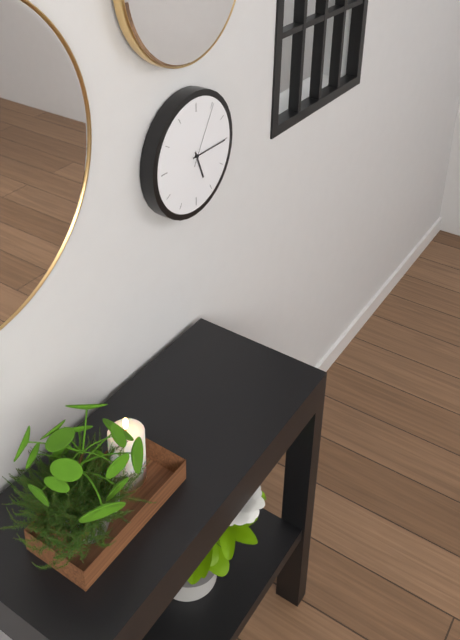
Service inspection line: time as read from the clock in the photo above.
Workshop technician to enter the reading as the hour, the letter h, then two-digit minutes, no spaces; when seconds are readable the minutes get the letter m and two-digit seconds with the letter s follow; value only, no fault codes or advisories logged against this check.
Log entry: 5h15m05s
